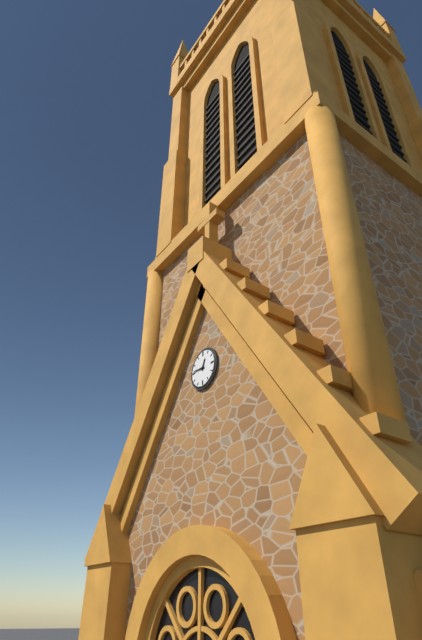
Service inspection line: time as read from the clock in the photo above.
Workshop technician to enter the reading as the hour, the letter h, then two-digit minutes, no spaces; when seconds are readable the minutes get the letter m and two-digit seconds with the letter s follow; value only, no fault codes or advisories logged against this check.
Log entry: 12h46
